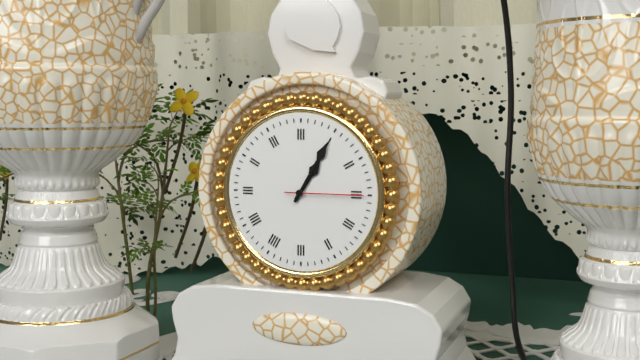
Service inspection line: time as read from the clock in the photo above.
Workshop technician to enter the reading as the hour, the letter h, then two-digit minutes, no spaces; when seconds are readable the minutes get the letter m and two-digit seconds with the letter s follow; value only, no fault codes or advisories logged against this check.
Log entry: 1h05m15s
